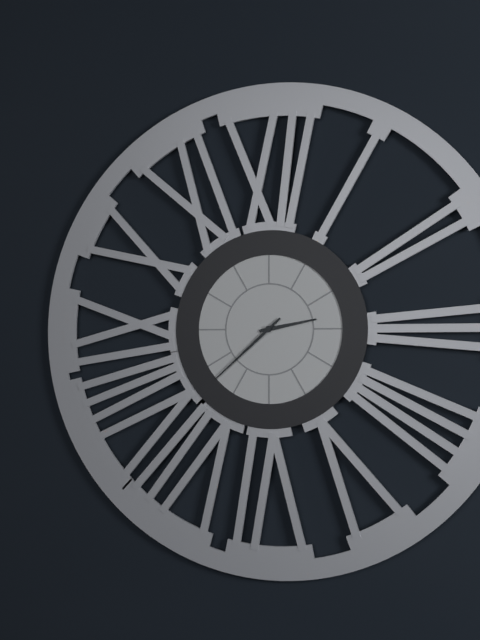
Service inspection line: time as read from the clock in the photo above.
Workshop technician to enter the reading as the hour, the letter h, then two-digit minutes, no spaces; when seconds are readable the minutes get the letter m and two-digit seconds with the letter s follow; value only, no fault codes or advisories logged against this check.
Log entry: 2h38
